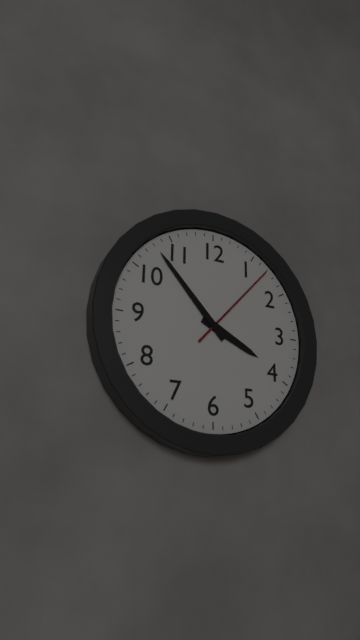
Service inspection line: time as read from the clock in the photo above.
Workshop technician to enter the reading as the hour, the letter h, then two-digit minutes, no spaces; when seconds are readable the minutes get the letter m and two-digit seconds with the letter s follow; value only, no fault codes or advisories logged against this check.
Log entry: 3h53m07s
